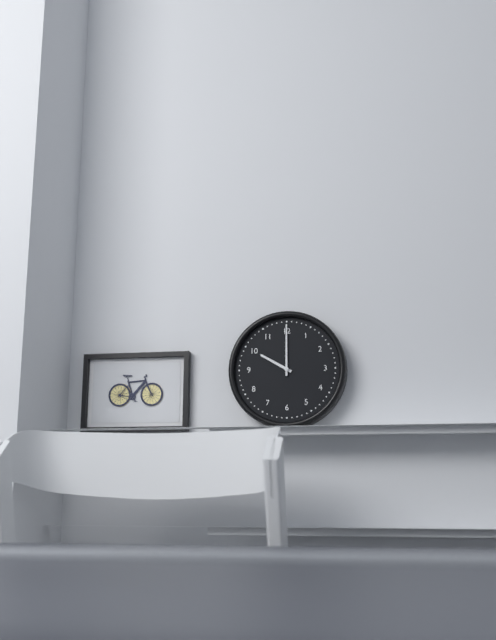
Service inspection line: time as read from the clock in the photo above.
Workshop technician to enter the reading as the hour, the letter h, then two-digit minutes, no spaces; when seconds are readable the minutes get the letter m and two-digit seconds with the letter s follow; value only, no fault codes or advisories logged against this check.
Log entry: 10h00
